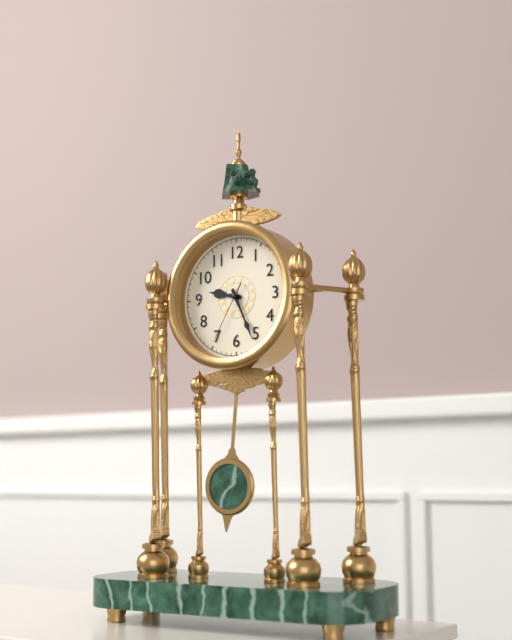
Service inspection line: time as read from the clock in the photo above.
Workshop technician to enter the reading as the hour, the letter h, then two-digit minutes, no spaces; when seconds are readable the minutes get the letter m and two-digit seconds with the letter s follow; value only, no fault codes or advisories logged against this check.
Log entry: 9h26m35s
